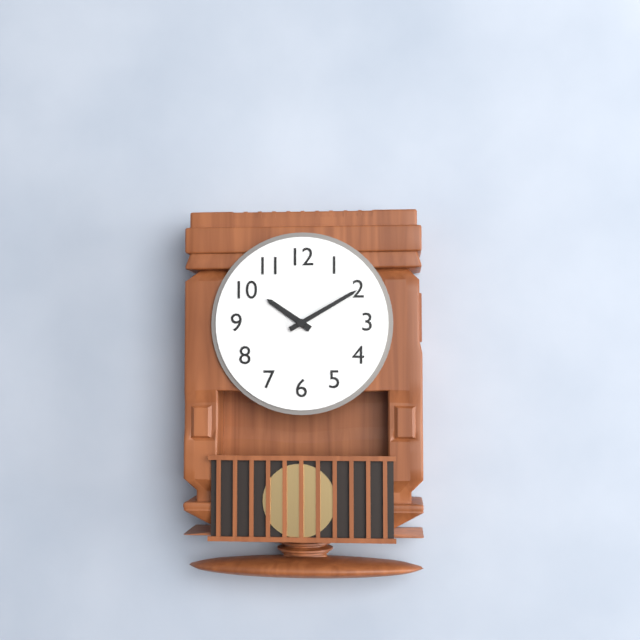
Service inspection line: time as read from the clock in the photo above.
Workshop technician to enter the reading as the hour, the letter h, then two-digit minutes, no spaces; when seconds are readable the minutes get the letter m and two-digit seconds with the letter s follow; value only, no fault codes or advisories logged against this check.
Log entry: 10h10
